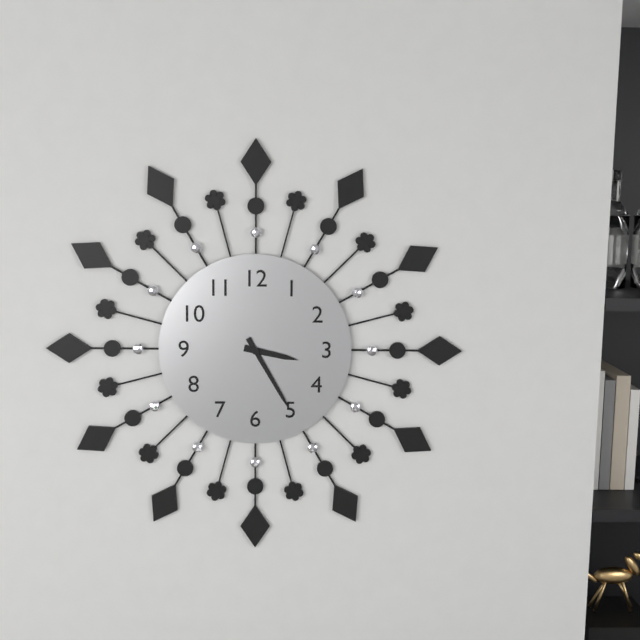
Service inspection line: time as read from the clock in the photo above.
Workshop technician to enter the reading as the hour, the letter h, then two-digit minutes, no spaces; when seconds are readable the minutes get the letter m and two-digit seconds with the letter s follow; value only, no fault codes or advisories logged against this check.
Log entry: 3h25
